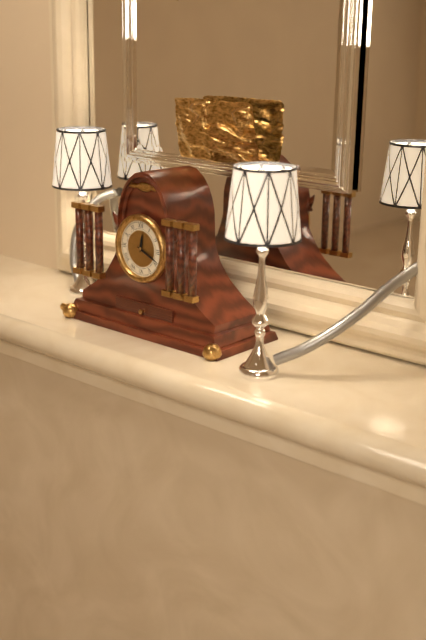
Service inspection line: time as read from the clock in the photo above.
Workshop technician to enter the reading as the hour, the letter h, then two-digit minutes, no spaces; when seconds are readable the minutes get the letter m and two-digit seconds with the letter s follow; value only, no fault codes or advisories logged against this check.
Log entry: 12h19
